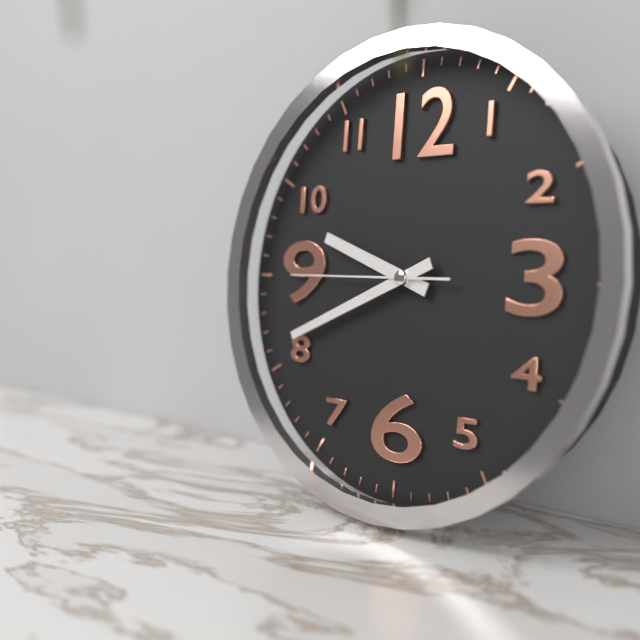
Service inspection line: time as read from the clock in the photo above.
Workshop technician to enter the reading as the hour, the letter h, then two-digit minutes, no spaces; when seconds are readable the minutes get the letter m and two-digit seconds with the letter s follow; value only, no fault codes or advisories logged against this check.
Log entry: 9h41m45s
